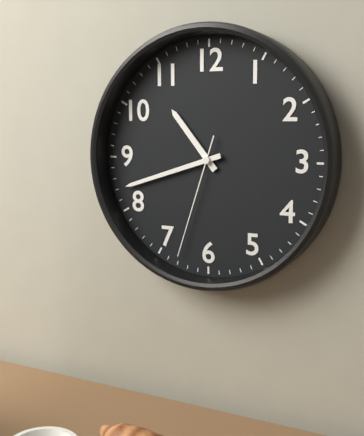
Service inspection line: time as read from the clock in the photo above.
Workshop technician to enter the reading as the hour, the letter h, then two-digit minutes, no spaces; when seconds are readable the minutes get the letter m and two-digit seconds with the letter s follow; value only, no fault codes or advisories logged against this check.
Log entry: 10h42m33s
